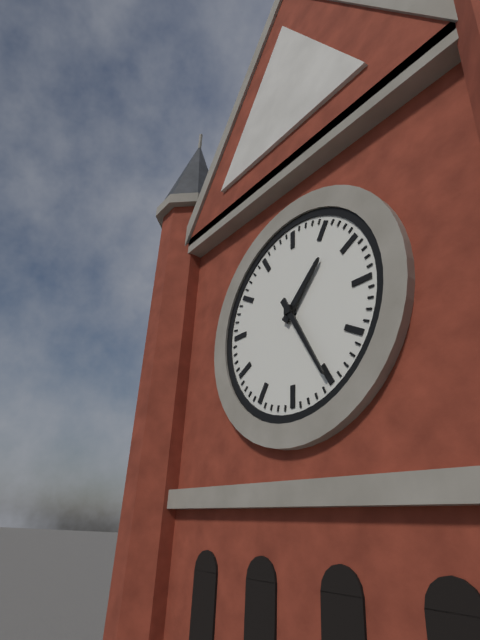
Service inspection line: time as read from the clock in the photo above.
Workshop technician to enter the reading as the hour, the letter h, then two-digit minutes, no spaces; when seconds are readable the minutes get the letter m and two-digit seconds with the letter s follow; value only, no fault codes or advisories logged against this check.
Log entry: 1h25
